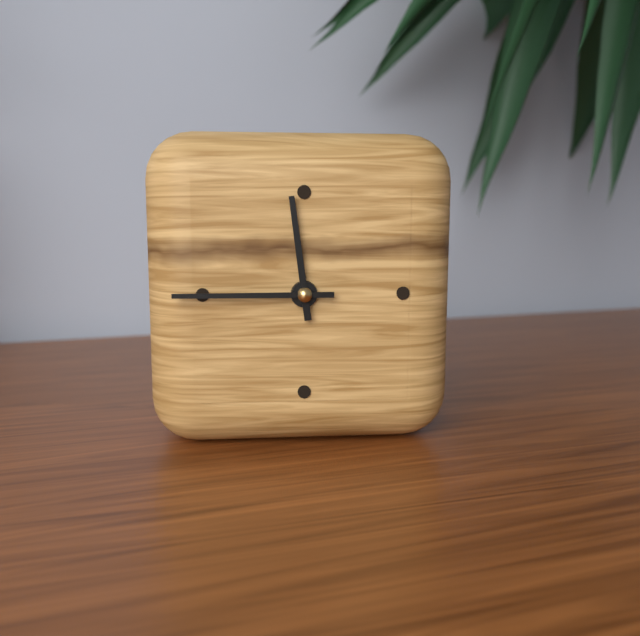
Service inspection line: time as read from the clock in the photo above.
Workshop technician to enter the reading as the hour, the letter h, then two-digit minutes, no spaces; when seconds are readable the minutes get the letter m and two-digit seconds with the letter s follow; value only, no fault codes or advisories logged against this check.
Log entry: 11h45
